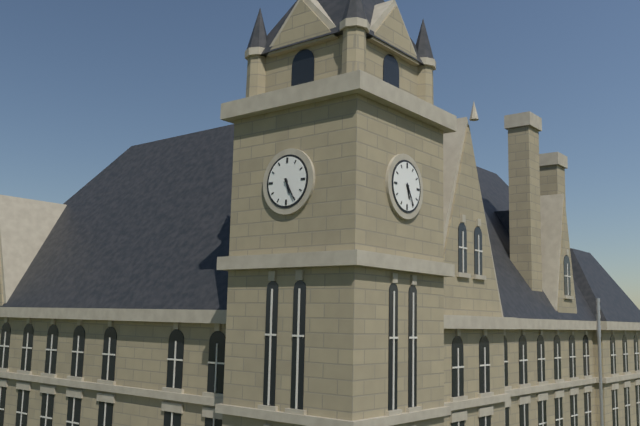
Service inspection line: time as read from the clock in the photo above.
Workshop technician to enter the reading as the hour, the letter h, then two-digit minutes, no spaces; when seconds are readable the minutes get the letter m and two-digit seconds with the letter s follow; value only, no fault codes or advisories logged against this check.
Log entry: 5h25
